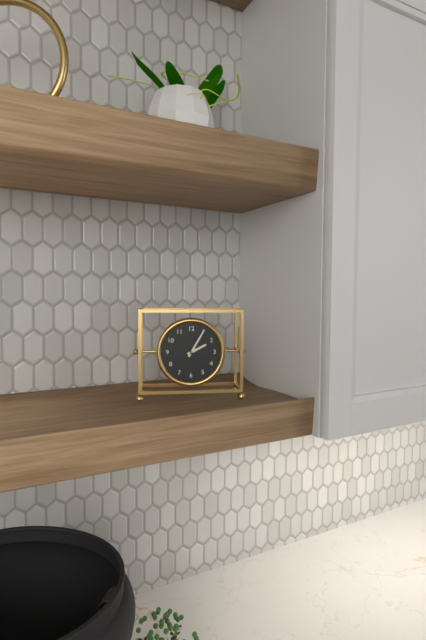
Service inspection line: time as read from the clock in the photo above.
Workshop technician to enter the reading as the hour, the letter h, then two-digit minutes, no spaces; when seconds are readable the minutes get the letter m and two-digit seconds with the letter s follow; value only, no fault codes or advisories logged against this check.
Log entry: 2h05
